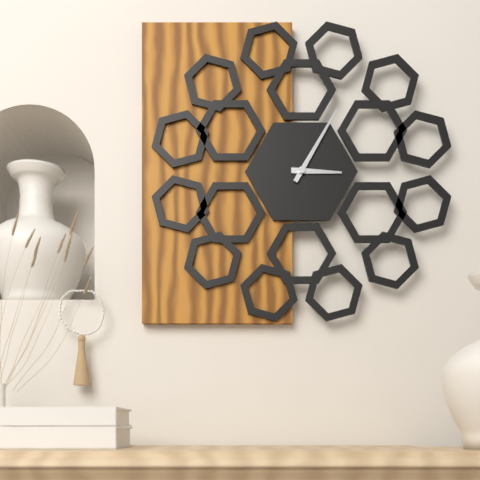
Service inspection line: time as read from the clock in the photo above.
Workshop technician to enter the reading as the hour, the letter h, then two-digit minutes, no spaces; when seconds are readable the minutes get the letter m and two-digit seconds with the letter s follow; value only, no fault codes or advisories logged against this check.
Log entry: 3h05
